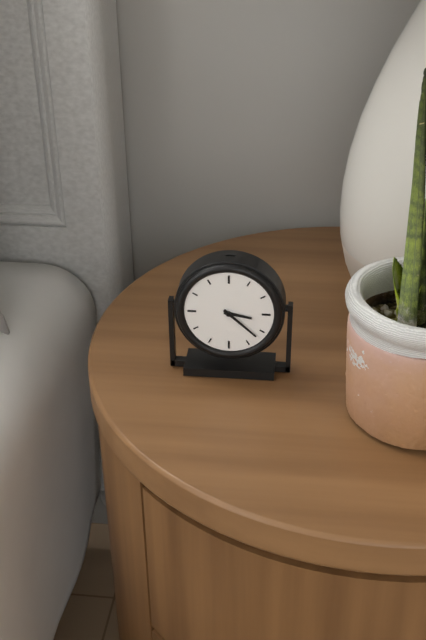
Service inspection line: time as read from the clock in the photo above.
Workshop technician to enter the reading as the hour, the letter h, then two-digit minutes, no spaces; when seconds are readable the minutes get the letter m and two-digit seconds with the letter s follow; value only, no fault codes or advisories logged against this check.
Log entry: 3h22
